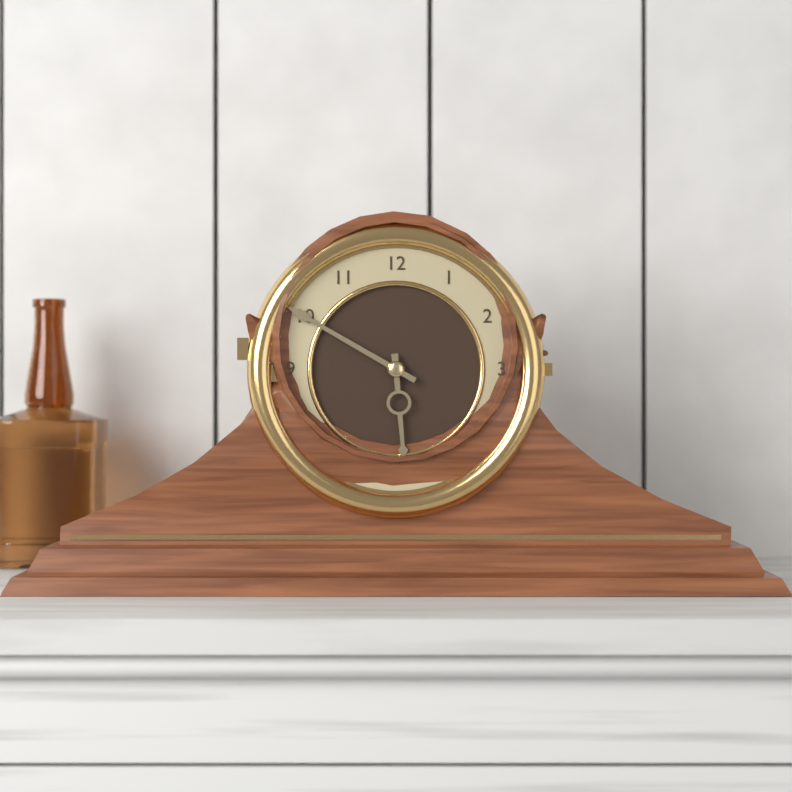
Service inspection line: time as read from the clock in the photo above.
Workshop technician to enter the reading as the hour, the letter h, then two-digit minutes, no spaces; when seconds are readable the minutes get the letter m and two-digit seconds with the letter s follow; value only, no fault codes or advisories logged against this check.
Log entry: 5h50
